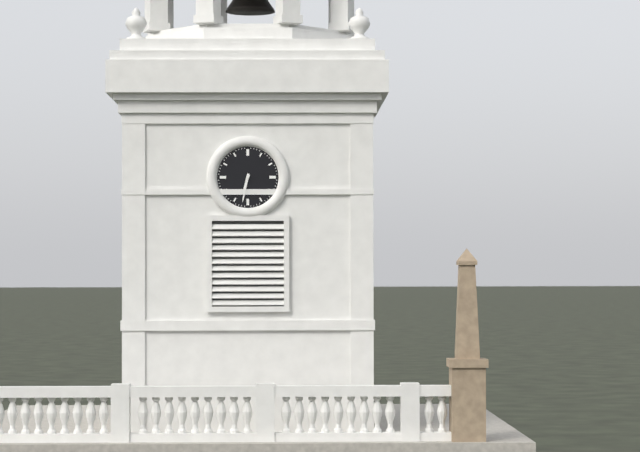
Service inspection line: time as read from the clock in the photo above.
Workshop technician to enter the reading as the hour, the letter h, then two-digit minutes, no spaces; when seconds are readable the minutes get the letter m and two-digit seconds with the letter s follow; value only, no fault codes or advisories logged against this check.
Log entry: 6h32
